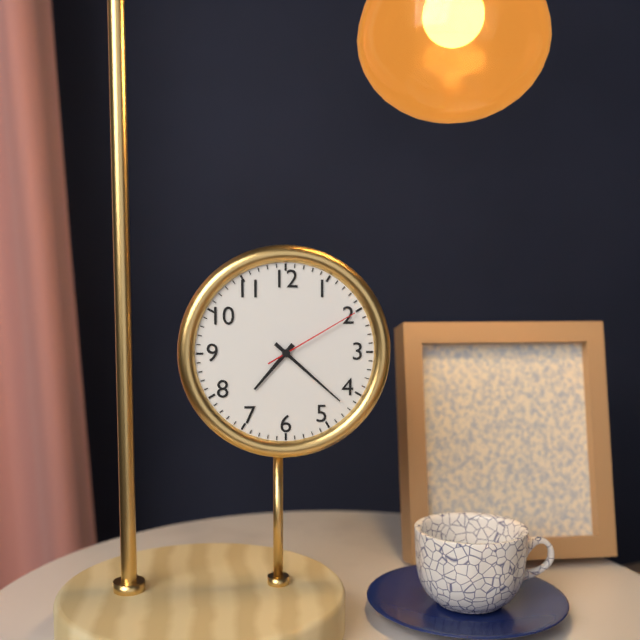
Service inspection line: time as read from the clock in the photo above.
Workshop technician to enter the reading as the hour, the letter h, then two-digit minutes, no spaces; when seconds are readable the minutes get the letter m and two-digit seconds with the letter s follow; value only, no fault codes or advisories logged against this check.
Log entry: 7h22m10s
